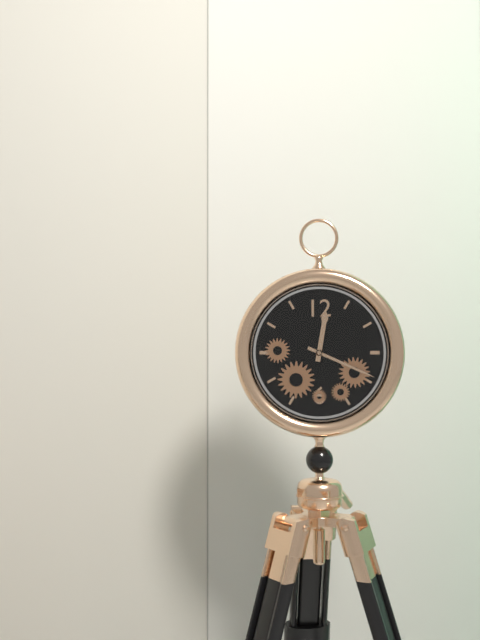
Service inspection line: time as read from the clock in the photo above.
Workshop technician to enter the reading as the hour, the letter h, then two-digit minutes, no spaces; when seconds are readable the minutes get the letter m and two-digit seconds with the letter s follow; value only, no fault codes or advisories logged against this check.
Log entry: 12h19
